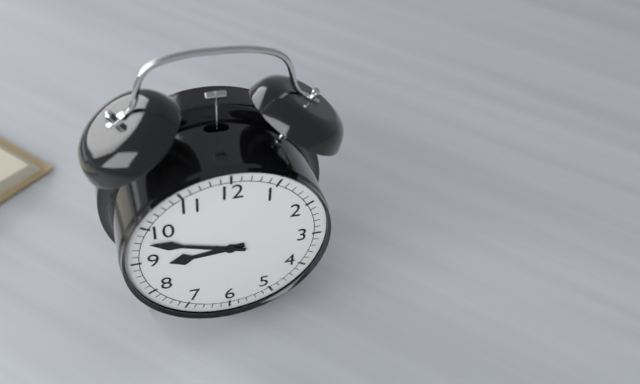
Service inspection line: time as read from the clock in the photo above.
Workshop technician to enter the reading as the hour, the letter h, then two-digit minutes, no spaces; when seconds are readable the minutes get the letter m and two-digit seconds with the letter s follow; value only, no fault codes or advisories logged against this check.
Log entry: 8h48
